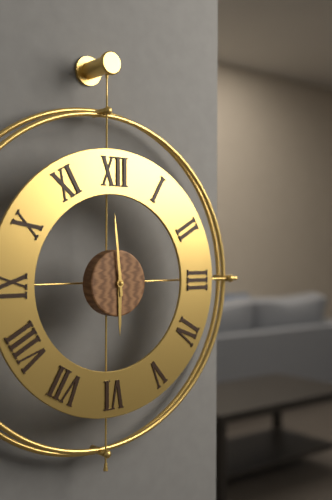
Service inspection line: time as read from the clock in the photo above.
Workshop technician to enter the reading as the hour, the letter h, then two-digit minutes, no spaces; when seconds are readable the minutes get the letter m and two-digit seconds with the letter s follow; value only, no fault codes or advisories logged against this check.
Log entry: 5h59
